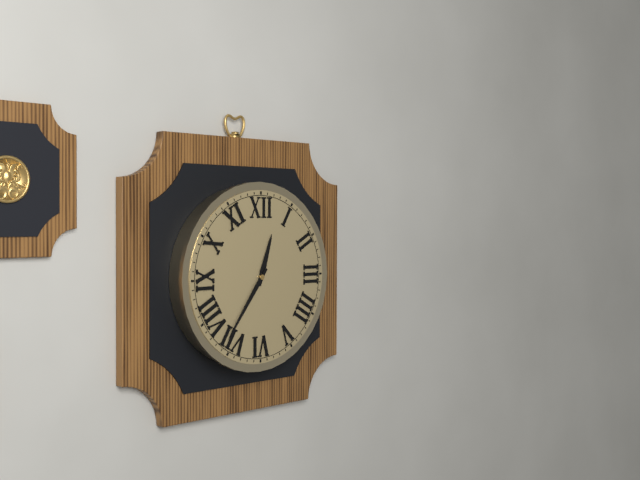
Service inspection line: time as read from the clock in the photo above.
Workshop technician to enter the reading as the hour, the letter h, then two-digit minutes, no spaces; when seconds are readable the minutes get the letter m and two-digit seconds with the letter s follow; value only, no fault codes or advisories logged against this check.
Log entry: 12h36
